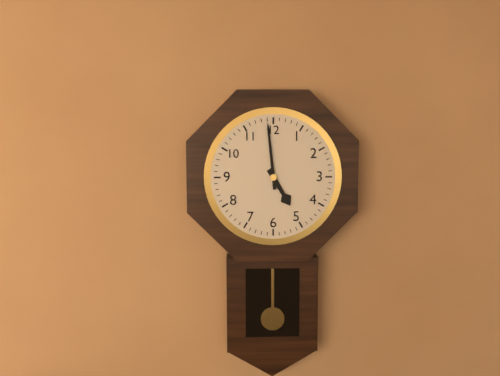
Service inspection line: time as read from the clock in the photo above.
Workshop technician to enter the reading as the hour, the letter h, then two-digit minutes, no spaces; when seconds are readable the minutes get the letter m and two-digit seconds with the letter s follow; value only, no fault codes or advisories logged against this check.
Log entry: 4h59
